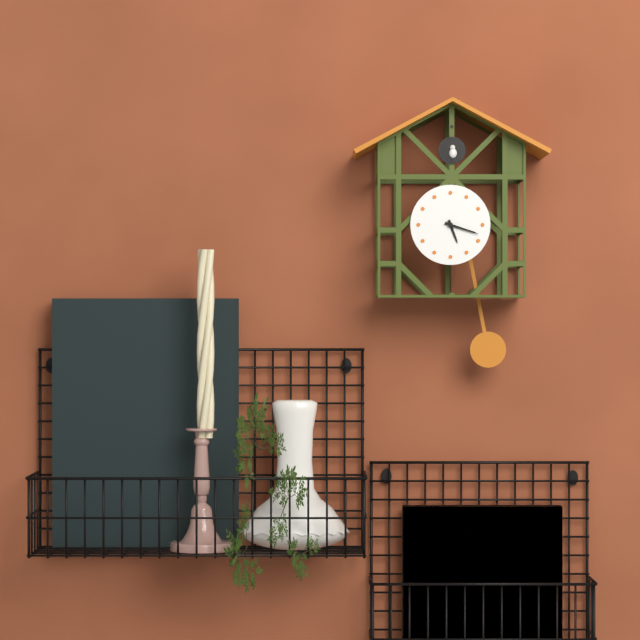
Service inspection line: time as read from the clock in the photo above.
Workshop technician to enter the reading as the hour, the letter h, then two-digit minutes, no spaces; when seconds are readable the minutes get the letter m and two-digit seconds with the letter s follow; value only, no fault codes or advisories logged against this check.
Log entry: 5h18
